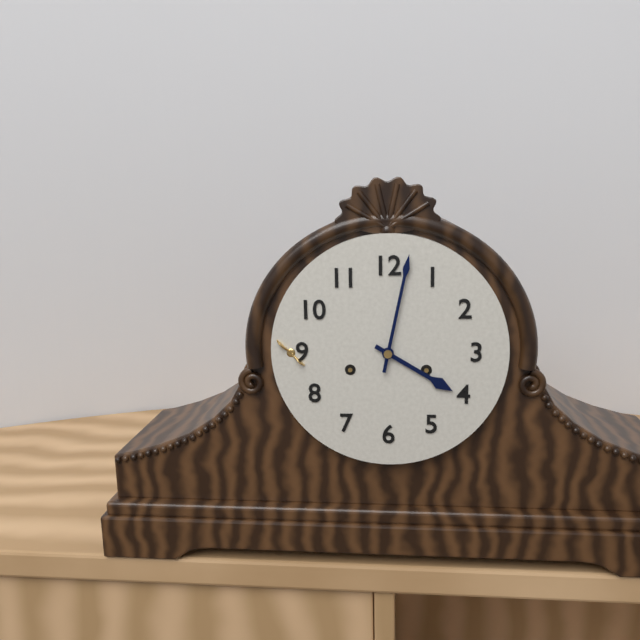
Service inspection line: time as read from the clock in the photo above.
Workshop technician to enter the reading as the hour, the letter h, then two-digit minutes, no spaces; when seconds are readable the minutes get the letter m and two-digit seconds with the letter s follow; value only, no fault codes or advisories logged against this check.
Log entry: 4h02
